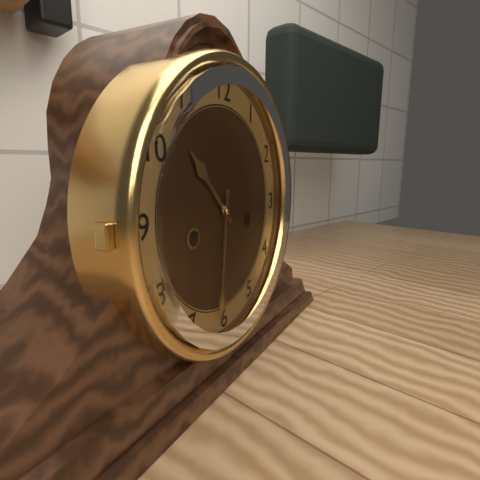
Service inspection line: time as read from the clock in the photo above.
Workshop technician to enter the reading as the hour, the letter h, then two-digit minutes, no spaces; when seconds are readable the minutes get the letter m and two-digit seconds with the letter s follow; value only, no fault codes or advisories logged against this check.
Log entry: 10h31
